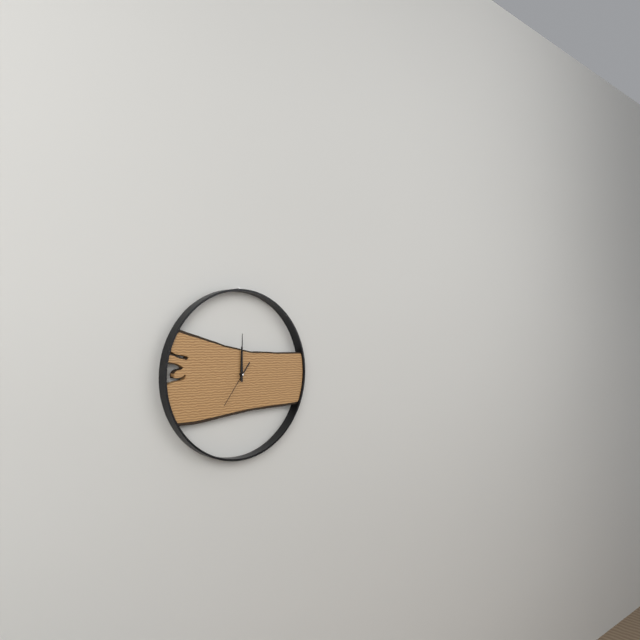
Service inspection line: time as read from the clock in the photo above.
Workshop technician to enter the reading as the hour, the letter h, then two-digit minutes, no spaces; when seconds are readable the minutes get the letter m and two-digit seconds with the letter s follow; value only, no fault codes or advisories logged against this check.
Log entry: 12h00
